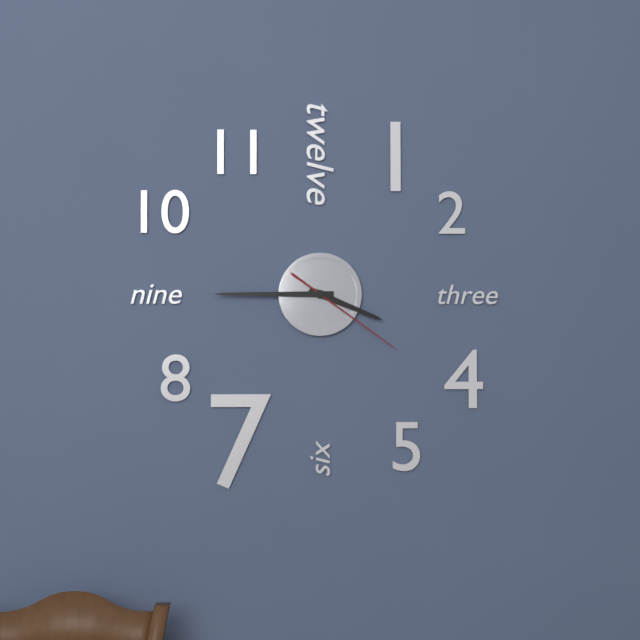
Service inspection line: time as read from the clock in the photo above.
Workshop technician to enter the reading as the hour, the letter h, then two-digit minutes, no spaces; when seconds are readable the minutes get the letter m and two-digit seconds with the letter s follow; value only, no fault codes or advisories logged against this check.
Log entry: 3h45m21s
